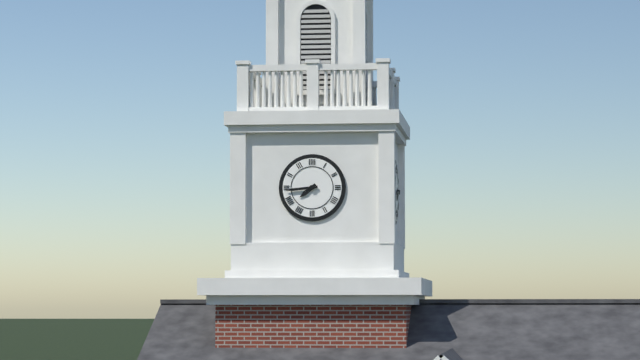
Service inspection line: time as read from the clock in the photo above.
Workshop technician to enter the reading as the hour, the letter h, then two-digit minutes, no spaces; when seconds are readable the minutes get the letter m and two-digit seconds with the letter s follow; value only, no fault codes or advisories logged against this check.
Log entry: 7h44
